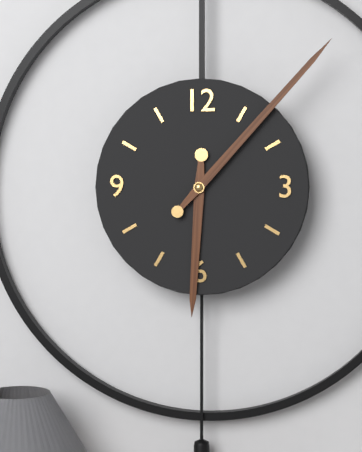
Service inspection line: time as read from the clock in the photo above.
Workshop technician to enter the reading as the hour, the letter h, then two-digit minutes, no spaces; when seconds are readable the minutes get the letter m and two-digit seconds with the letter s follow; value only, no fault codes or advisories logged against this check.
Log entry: 6h07
